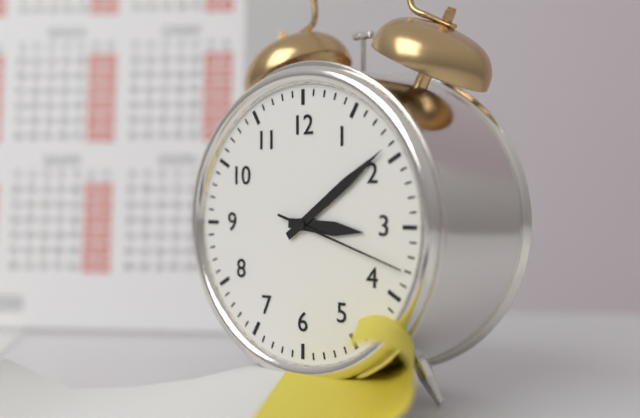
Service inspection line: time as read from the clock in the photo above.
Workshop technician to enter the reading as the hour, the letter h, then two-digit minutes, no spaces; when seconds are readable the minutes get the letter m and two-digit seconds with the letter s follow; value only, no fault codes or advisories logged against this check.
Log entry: 3h09m18s
